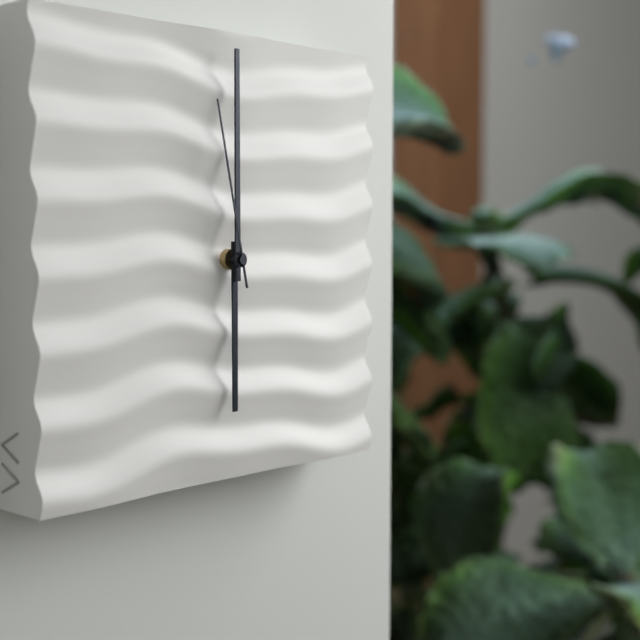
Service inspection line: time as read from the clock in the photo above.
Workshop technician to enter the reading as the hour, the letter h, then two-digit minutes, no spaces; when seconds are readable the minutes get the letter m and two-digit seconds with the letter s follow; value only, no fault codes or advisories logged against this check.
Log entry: 6h00m58s
